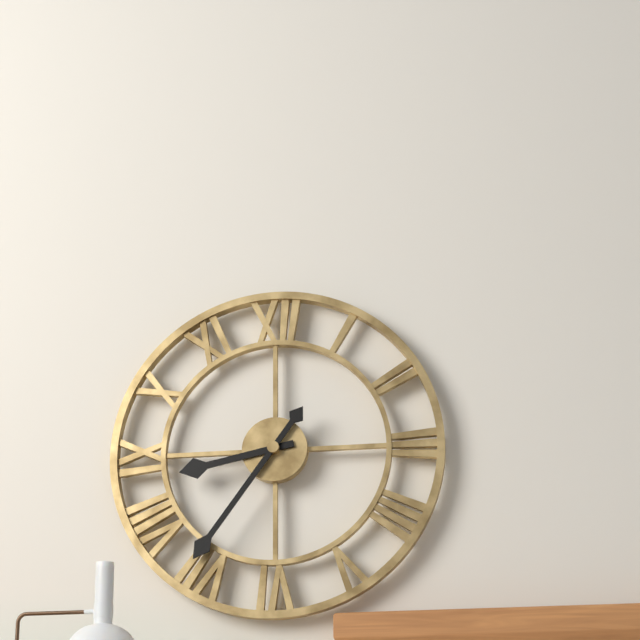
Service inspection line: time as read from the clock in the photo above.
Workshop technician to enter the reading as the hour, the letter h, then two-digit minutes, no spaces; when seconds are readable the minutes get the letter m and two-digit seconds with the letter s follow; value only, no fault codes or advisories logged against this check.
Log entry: 8h36
